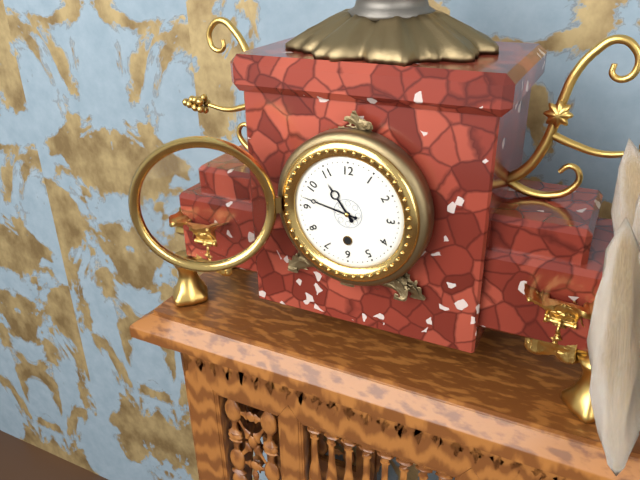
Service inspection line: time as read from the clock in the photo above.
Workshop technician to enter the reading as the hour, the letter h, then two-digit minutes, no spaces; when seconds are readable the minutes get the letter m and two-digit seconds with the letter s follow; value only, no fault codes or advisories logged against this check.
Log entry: 10h47
